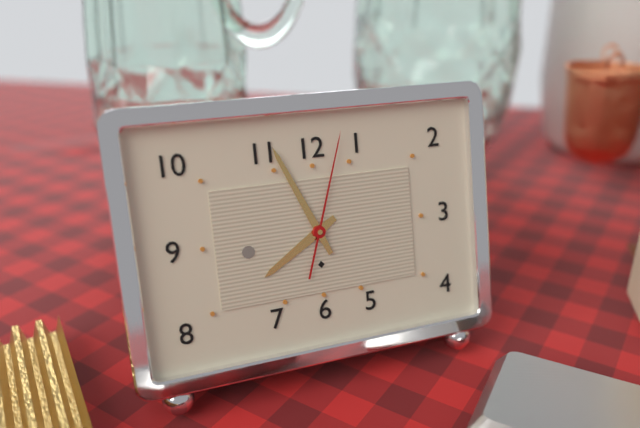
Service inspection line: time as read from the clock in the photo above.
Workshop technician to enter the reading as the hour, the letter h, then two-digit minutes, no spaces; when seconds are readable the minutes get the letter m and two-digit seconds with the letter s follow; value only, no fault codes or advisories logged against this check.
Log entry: 7h56m03s
